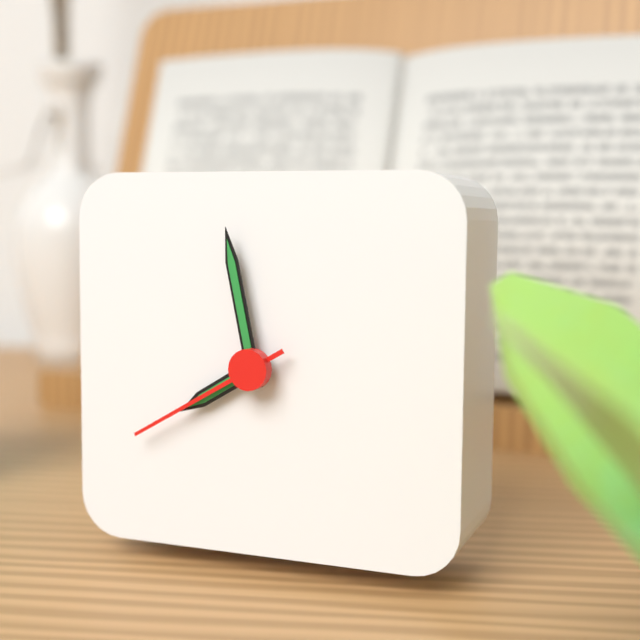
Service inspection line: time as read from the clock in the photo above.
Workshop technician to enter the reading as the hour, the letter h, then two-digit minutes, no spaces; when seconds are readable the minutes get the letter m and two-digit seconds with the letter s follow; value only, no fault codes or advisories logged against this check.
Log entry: 7h58m40s
